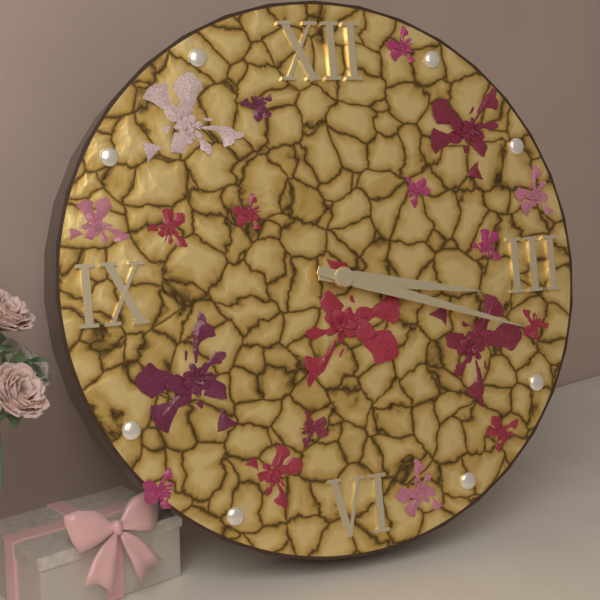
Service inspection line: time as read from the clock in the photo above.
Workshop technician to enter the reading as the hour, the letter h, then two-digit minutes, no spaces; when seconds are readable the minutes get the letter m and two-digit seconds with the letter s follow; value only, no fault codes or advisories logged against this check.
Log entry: 3h18
